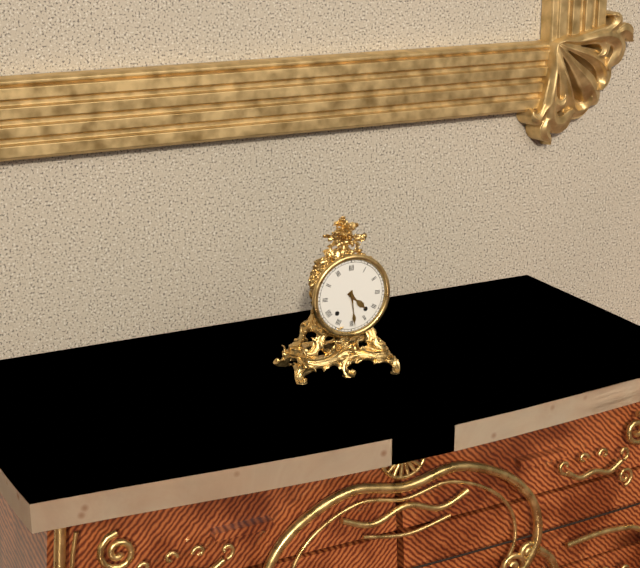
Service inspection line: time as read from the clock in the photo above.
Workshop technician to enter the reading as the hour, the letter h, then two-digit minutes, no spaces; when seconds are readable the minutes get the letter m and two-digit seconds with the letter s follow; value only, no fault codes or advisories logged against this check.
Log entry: 4h29
